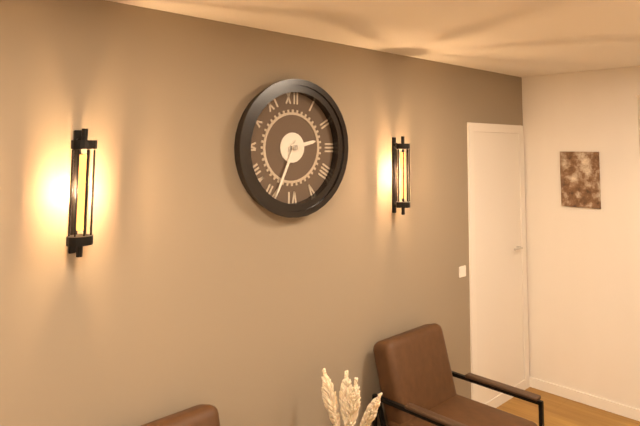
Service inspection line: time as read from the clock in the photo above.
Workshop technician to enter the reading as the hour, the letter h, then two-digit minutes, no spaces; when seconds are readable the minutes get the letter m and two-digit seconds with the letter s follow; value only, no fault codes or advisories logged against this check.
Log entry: 2h34
